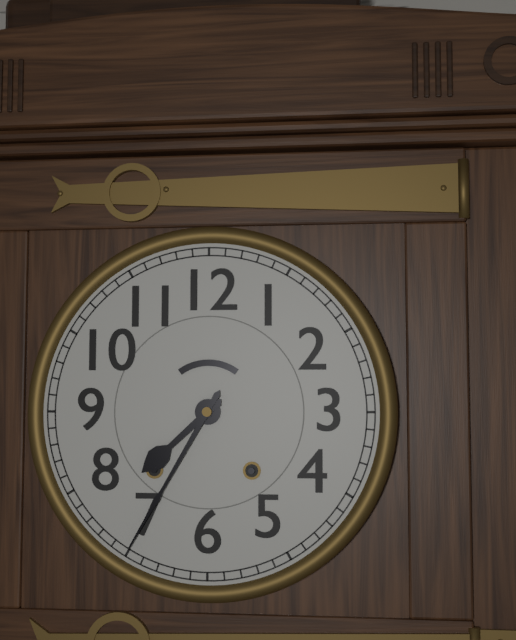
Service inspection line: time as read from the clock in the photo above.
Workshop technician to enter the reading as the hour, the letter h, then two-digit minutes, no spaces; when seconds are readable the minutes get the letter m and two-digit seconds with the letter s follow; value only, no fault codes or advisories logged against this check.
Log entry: 7h35
